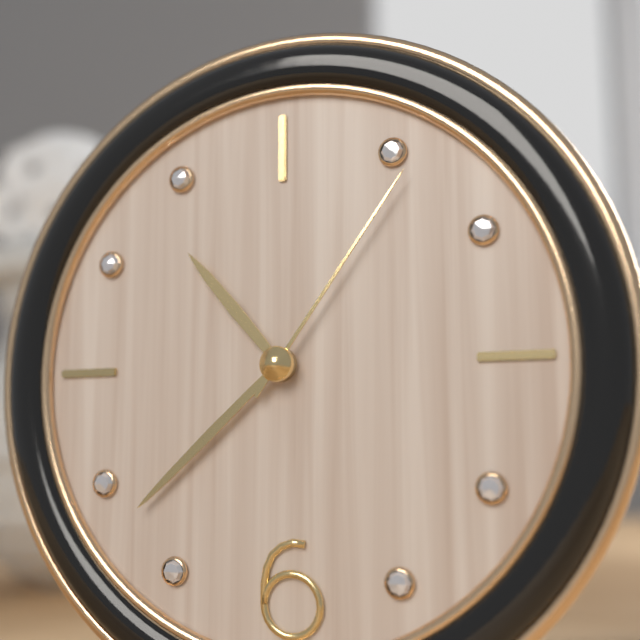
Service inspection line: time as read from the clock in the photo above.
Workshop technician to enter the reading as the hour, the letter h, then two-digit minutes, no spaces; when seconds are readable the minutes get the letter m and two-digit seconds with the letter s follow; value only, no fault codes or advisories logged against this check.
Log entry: 10h38m06s
